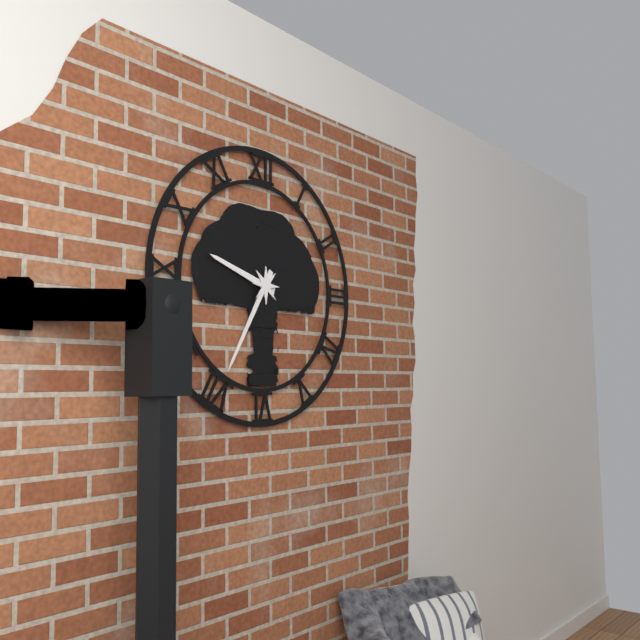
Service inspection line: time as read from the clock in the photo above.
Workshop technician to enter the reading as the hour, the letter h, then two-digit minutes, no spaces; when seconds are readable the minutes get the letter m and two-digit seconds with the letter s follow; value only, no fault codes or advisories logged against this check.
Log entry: 9h35
